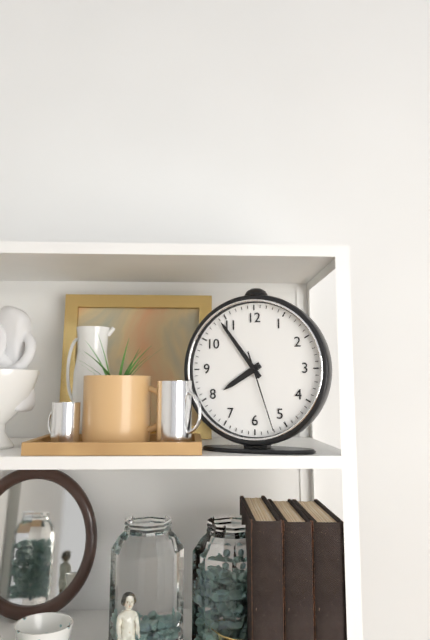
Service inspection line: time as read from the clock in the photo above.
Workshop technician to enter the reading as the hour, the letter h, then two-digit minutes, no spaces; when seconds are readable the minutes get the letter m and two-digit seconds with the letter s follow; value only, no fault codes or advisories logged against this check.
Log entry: 7h54m27s
